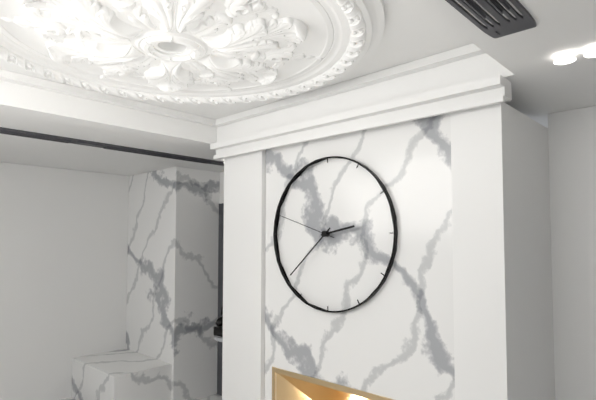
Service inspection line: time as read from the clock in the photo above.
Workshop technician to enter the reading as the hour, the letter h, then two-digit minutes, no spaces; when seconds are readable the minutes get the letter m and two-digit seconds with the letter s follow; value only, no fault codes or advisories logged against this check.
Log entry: 2h38m48s
